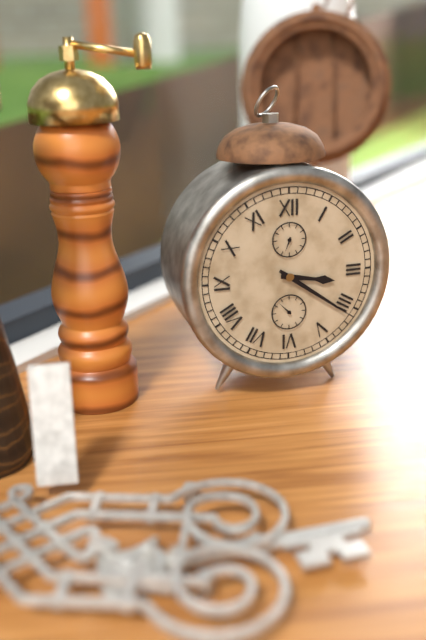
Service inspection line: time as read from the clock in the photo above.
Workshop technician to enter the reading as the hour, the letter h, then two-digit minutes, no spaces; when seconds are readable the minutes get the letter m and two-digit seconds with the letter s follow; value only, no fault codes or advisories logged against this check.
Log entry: 3h21
